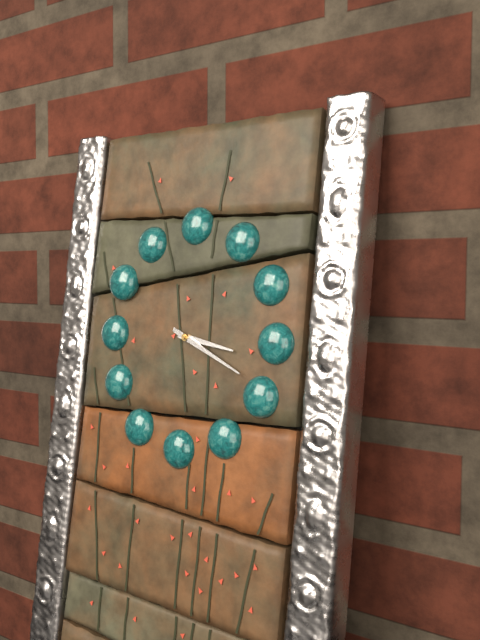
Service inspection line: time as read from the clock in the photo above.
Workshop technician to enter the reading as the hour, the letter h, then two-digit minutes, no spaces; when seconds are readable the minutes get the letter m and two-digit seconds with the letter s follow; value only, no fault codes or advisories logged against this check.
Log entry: 3h19
